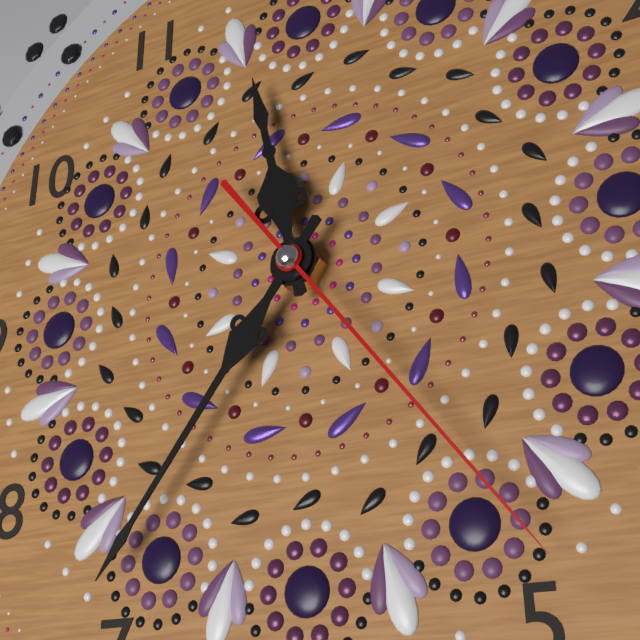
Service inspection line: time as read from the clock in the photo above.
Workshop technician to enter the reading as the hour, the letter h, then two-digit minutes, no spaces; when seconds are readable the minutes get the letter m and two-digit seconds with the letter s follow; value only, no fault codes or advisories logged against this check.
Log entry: 11h36m24s
